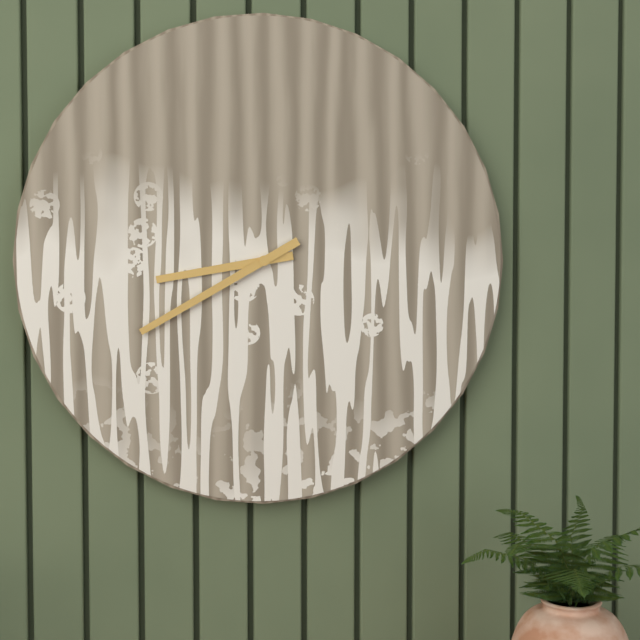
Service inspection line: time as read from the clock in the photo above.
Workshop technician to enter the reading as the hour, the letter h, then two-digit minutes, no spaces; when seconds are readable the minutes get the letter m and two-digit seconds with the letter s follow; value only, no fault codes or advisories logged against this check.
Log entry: 8h40
